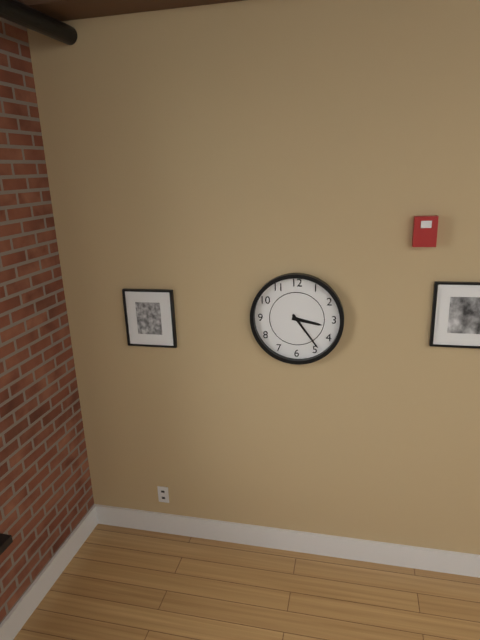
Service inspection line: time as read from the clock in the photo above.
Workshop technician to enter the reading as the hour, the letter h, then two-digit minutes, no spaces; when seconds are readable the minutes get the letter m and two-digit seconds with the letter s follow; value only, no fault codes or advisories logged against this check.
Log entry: 3h24
